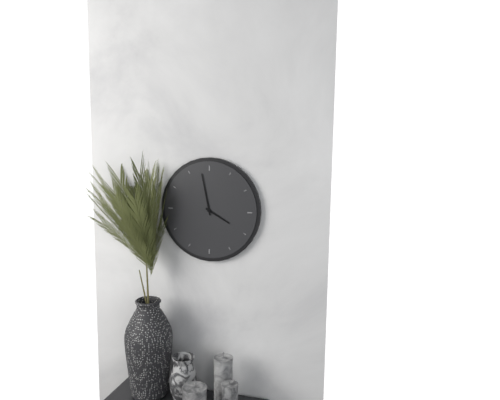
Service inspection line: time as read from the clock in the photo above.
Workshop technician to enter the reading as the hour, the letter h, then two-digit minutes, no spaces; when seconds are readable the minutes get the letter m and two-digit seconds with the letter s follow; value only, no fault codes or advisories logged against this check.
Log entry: 3h58
